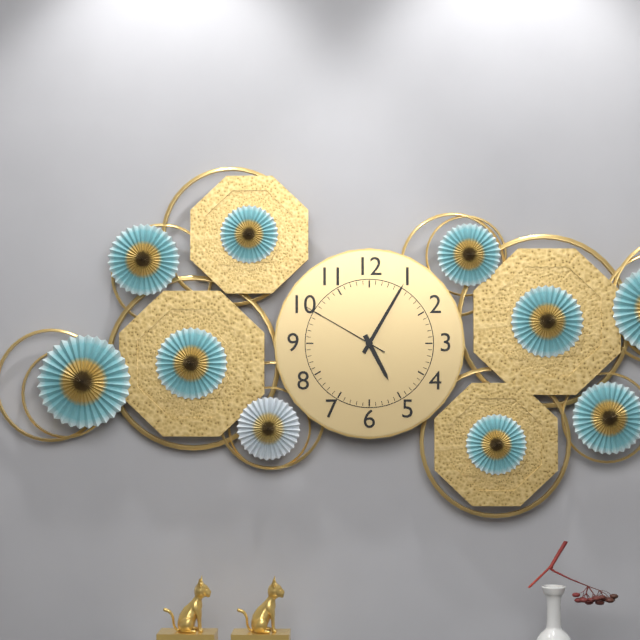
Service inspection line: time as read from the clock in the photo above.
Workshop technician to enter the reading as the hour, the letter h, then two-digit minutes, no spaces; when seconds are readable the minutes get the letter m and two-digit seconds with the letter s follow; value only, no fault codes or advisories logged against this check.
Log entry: 5h05m50s
